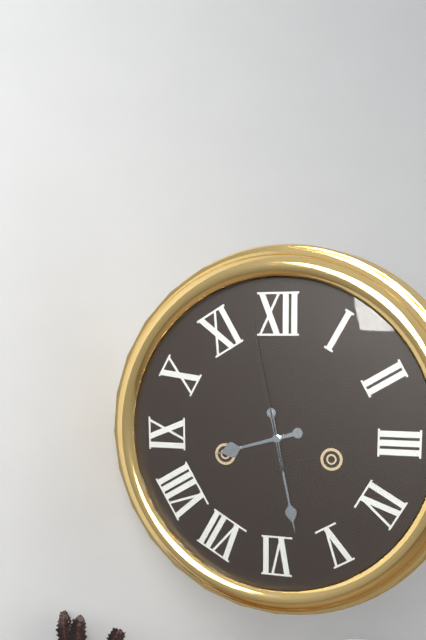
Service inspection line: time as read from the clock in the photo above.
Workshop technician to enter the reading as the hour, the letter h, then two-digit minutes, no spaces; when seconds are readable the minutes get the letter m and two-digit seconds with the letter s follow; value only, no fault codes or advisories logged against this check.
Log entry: 8h28m58s
